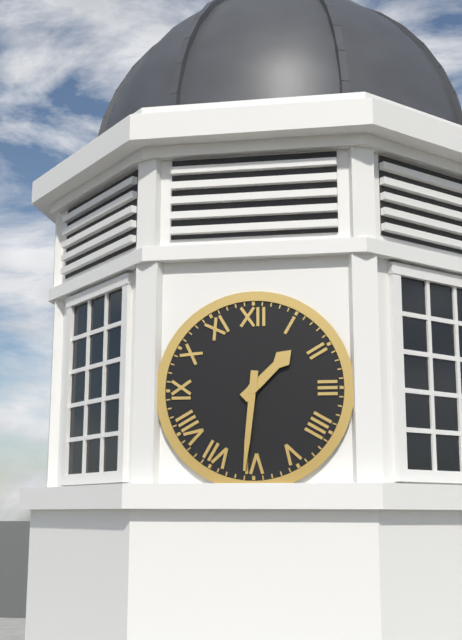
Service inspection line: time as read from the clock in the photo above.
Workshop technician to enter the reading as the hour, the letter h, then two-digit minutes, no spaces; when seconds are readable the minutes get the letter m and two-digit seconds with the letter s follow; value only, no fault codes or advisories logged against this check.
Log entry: 1h31
